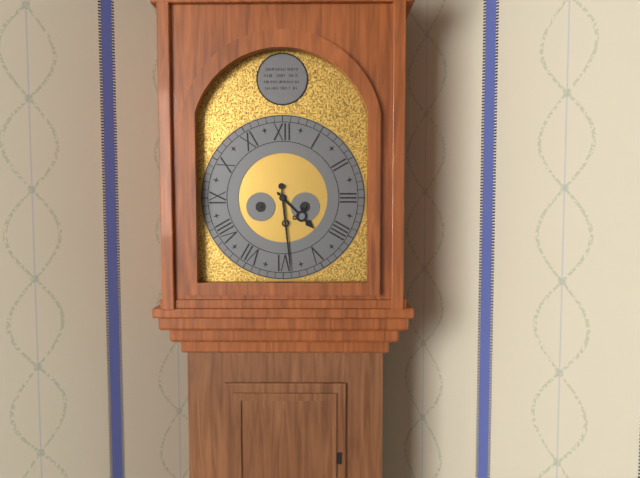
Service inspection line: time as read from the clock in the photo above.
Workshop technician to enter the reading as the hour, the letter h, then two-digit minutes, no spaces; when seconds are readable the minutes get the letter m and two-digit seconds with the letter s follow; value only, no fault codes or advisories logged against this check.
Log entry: 4h29
